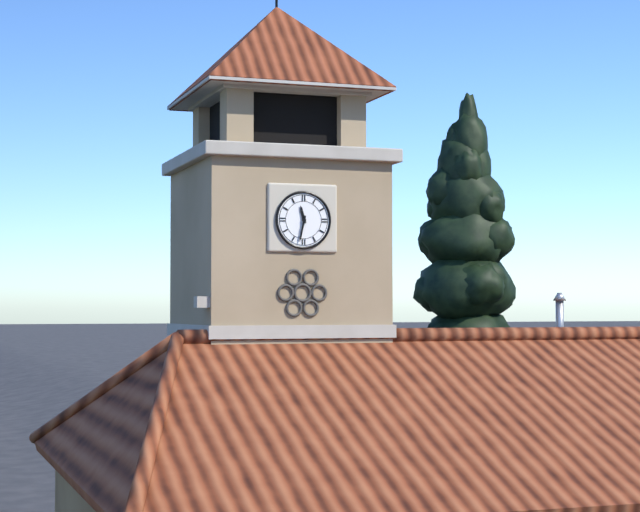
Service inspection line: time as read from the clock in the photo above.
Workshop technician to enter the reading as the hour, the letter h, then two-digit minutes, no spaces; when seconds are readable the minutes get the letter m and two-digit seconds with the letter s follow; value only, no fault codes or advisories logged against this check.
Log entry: 11h32
